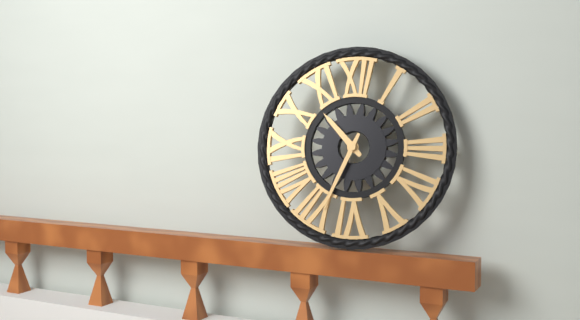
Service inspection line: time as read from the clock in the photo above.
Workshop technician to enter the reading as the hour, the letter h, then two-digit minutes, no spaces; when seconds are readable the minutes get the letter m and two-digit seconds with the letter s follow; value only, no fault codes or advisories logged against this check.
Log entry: 10h34
